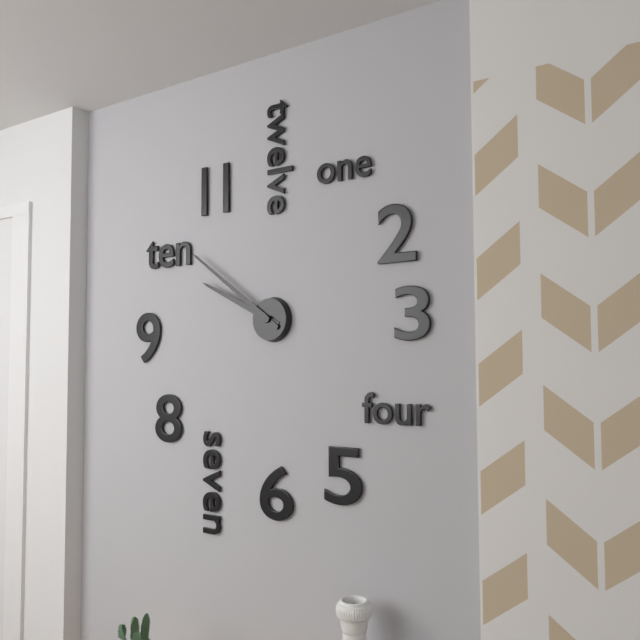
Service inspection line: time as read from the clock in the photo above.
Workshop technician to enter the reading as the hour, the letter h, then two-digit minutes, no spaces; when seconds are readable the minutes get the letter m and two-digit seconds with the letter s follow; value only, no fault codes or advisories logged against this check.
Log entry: 9h51
